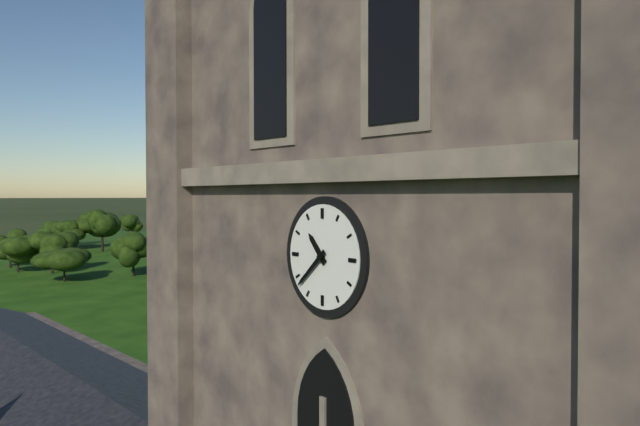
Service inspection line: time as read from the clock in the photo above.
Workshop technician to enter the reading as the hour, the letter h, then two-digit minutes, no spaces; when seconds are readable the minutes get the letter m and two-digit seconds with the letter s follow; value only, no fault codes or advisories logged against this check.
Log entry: 10h38
